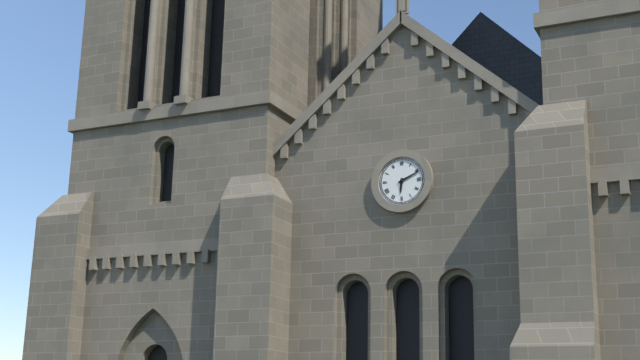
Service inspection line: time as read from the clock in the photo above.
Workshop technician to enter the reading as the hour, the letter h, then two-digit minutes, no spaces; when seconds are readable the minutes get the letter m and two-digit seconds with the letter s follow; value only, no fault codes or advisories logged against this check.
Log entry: 6h11
